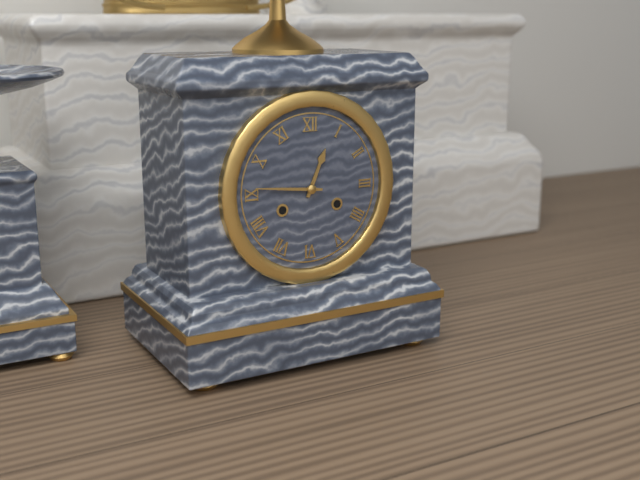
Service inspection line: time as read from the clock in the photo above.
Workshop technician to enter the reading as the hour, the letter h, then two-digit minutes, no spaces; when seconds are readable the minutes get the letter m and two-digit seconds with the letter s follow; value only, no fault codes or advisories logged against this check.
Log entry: 12h46
